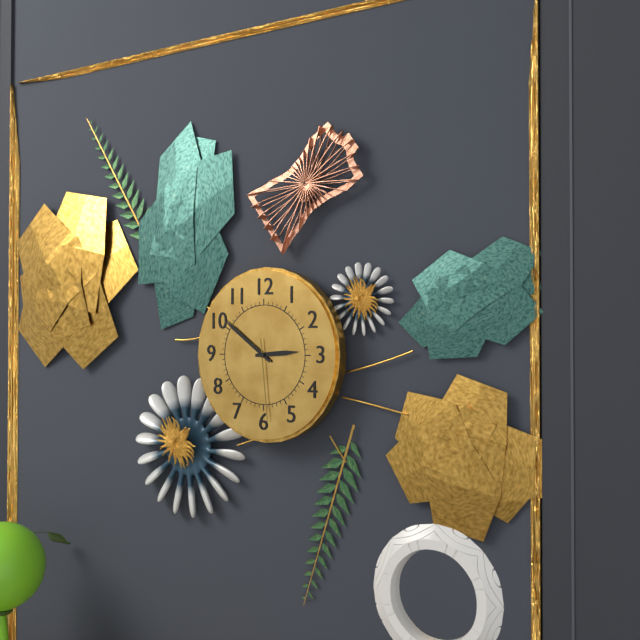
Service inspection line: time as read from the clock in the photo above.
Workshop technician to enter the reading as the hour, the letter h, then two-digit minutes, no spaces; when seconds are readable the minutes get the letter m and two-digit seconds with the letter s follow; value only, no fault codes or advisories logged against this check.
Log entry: 2h51m29s
